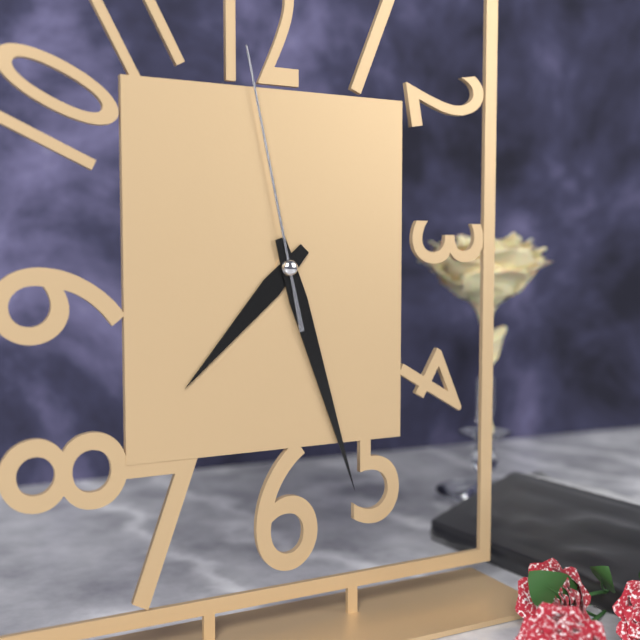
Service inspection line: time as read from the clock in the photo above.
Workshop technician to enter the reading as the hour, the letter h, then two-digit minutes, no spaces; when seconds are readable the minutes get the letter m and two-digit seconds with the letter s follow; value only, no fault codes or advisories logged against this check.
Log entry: 7h27m58s
